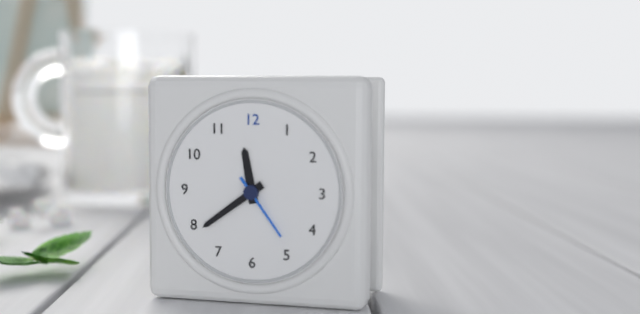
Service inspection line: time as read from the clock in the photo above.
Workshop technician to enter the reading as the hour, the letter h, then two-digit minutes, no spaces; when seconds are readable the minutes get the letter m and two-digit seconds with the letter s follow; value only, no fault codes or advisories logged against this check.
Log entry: 11h39m24s
